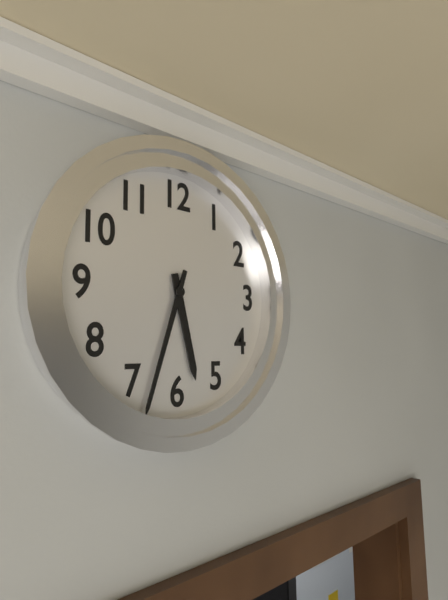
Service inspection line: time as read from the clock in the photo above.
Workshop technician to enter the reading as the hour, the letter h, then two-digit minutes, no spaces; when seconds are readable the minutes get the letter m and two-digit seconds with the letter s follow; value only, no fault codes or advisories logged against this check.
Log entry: 5h33
